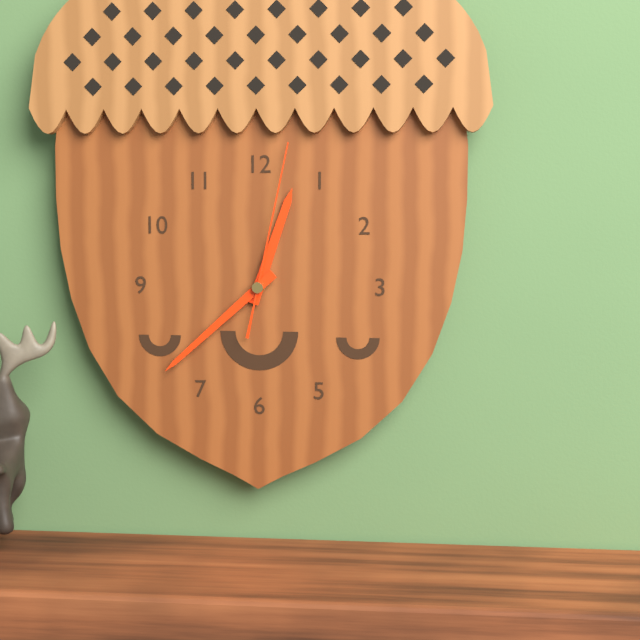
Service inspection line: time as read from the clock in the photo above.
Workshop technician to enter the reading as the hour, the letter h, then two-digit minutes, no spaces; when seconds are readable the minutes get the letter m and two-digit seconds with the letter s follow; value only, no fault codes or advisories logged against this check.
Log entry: 12h38m02s
